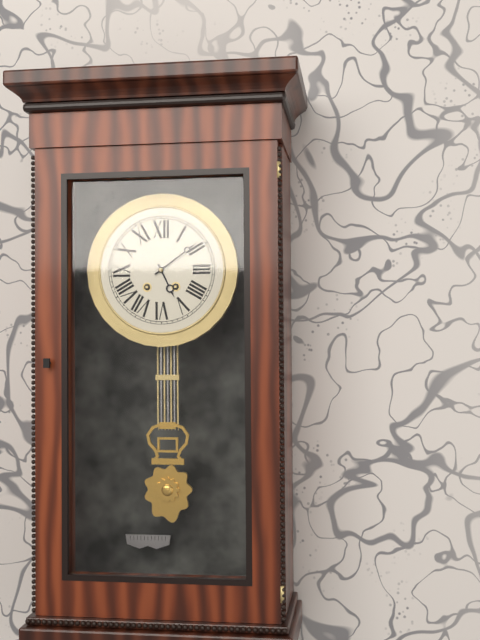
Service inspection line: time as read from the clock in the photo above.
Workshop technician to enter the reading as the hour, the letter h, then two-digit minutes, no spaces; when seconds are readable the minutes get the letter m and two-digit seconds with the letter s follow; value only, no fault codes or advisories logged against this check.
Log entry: 5h09
